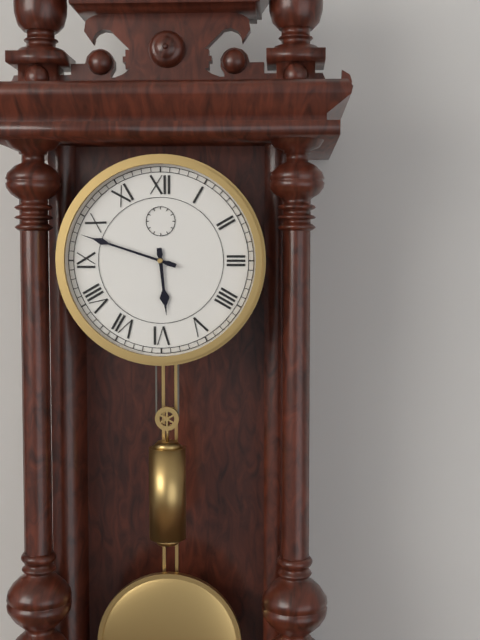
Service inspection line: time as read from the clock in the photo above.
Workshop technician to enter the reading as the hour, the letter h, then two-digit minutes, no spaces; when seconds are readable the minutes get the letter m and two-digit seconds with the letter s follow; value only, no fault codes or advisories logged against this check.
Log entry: 5h48
